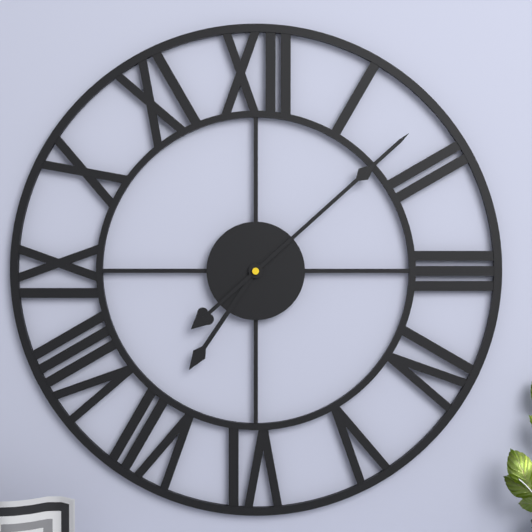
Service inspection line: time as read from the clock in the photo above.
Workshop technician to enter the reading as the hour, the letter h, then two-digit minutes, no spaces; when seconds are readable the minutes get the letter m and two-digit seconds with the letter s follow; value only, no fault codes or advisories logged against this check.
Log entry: 7h08
